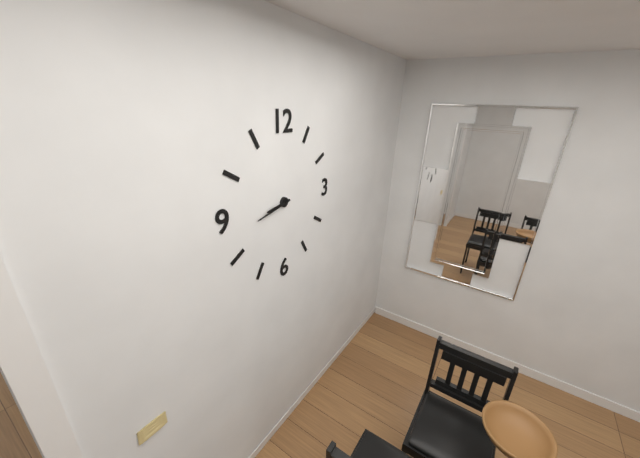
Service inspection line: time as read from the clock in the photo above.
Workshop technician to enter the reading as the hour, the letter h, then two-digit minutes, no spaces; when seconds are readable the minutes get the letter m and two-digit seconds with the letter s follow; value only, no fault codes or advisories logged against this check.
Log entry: 8h43
